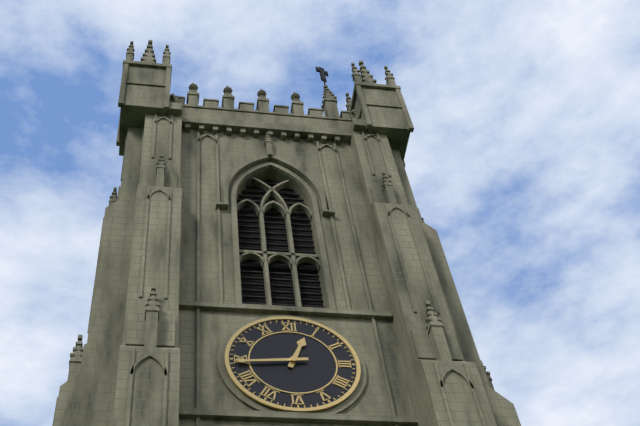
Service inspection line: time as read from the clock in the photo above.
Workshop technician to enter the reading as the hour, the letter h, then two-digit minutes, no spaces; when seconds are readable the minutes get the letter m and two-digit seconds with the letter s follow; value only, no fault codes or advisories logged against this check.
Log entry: 12h44
